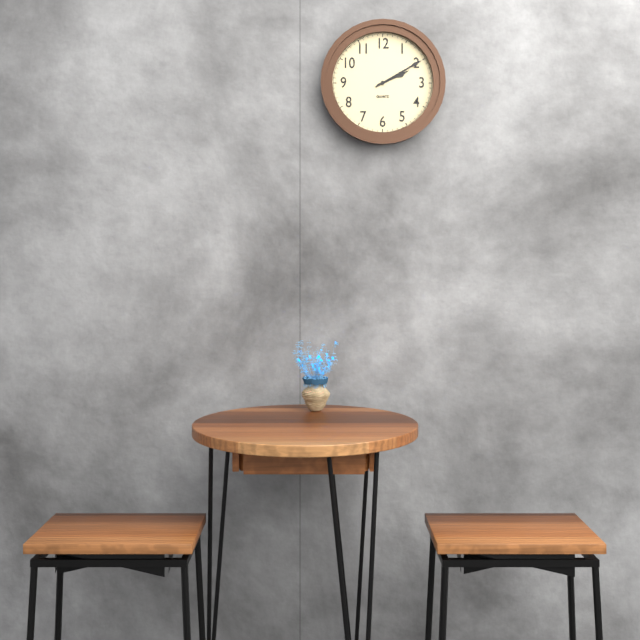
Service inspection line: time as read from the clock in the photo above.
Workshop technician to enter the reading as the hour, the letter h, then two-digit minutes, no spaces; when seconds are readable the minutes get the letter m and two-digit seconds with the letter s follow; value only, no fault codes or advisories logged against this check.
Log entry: 2h10
